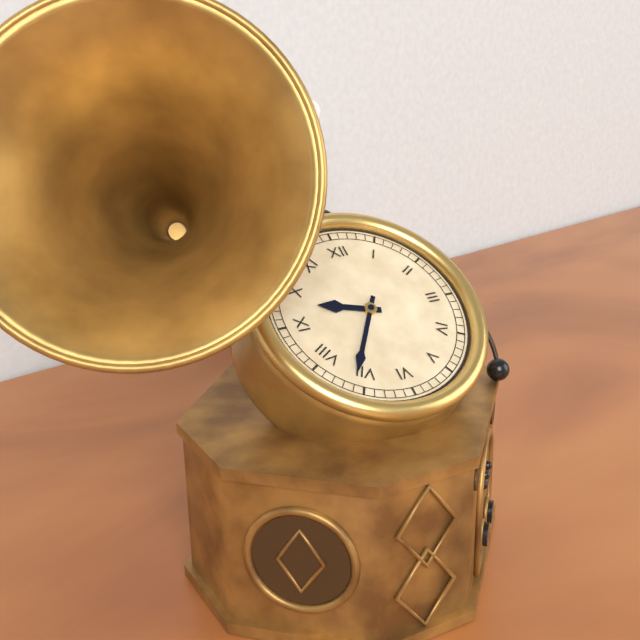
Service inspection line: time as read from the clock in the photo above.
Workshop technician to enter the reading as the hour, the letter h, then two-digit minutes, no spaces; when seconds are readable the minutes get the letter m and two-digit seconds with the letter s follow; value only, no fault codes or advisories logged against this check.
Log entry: 9h36
